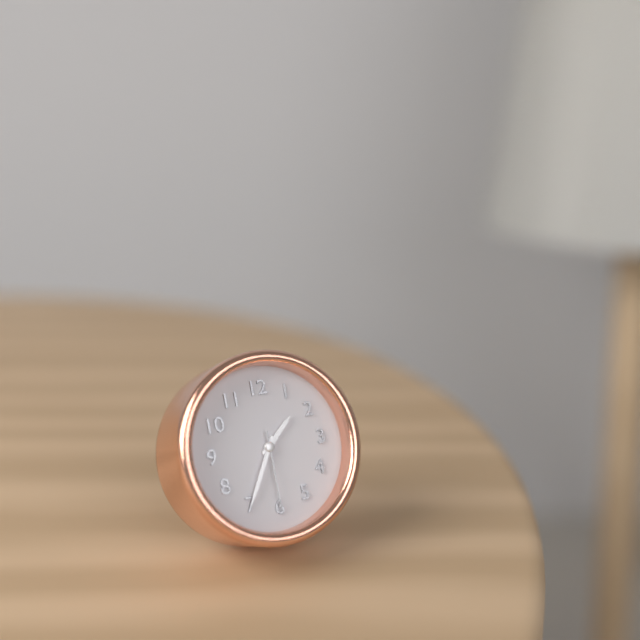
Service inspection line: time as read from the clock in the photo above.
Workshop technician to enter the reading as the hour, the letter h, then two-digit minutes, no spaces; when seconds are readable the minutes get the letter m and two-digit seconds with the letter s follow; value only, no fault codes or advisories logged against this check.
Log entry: 1h35m30s
